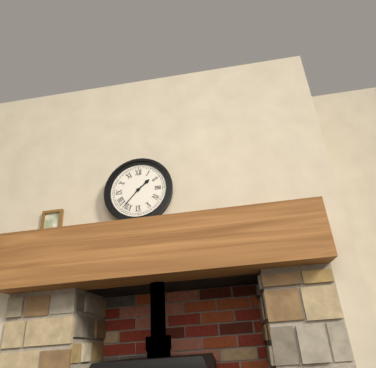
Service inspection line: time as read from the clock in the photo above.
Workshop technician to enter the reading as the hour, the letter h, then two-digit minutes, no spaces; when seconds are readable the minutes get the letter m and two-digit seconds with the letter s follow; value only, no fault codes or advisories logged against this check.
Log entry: 1h37
